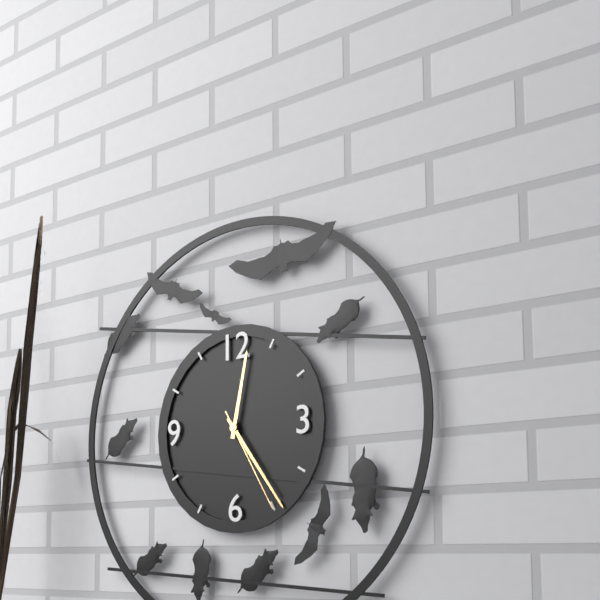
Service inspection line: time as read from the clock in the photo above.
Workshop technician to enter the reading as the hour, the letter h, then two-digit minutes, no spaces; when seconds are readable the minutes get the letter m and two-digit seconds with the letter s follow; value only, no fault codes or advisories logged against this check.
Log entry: 12h24m25s
